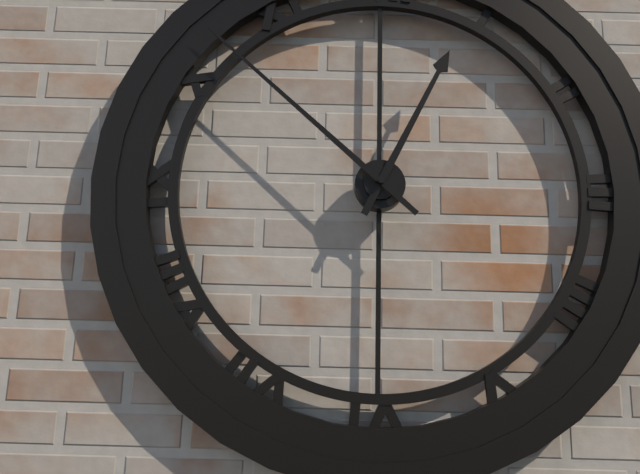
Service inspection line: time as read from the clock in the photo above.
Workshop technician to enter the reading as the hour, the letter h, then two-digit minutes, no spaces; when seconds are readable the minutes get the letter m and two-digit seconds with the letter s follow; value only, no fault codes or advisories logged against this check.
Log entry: 12h52
